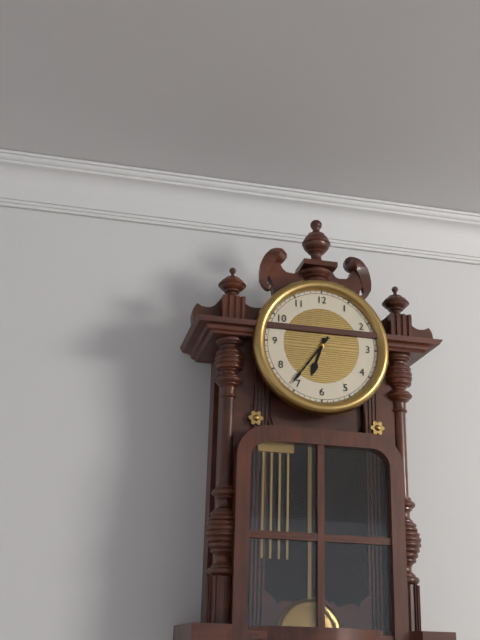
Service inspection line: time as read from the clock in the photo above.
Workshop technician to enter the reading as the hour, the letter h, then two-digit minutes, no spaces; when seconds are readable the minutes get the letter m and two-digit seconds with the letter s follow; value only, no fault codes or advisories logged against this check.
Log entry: 6h36
